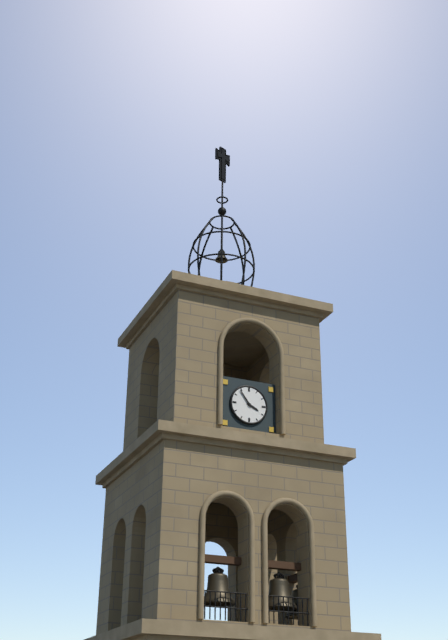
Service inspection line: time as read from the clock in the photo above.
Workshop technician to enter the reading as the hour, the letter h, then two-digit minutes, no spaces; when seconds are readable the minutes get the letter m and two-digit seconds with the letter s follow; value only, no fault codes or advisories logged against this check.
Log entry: 3h54
